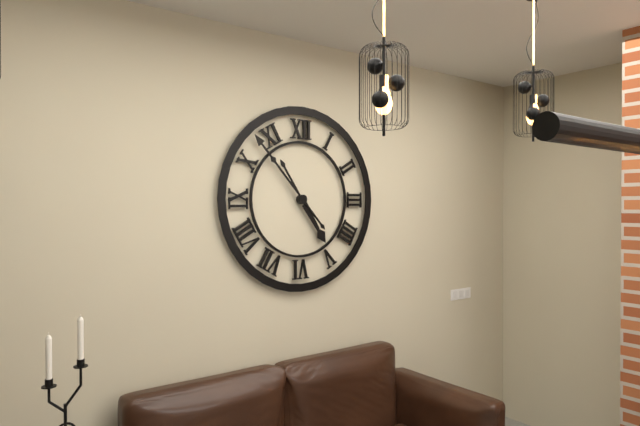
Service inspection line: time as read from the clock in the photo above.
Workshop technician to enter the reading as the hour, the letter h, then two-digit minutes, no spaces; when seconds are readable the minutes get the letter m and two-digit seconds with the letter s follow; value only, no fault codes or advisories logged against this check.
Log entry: 4h53
